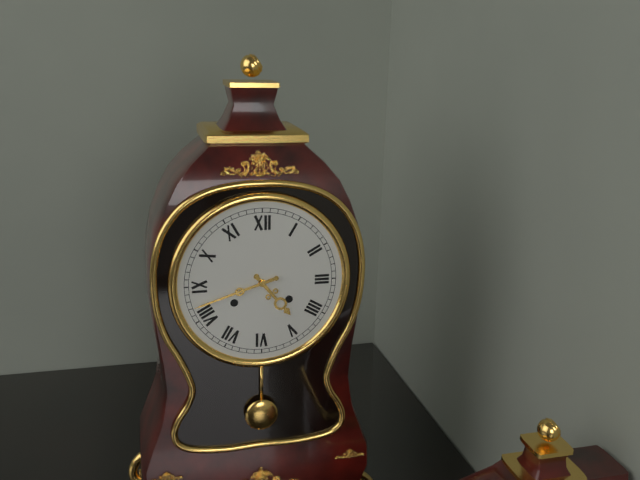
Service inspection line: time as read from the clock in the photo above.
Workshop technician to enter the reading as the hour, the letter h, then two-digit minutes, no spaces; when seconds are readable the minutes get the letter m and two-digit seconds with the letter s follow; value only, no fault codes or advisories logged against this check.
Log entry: 4h42
